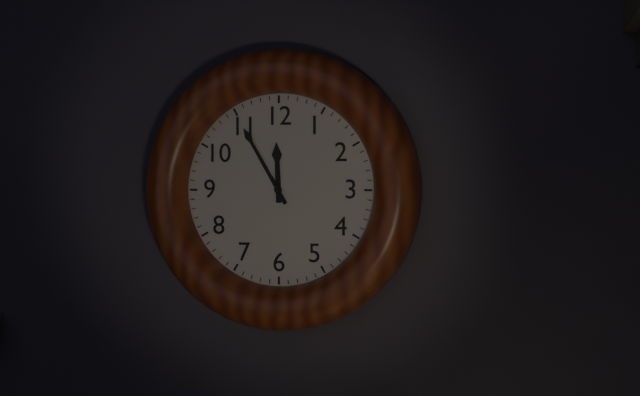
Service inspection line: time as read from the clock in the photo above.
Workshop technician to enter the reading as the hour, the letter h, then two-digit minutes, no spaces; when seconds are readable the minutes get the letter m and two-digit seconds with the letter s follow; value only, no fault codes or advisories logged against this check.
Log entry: 11h55
